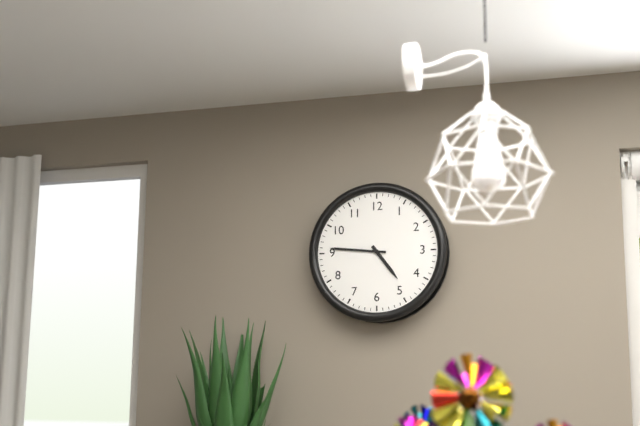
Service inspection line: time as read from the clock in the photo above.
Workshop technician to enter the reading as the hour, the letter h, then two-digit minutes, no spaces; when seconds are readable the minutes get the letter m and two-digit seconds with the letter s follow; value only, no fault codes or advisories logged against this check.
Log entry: 4h46
